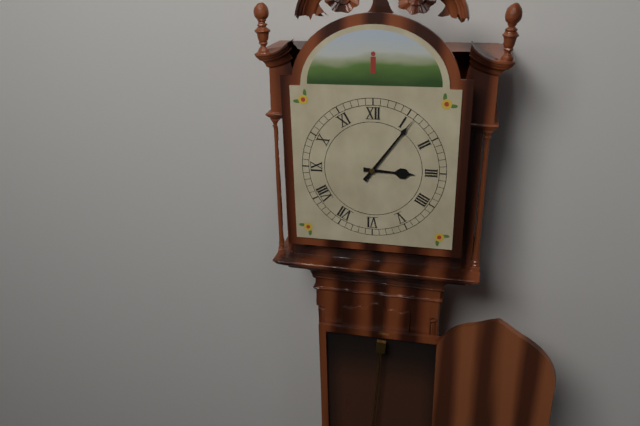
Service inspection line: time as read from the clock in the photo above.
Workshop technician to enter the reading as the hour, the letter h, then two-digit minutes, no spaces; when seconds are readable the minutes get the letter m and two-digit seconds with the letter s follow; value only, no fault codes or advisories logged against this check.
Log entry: 3h06
